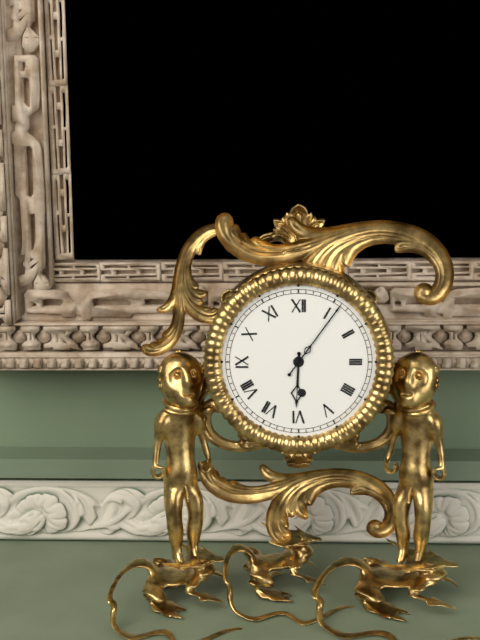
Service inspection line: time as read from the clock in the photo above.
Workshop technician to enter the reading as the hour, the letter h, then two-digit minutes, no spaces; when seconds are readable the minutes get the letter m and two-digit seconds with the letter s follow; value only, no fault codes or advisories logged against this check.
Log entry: 6h06
